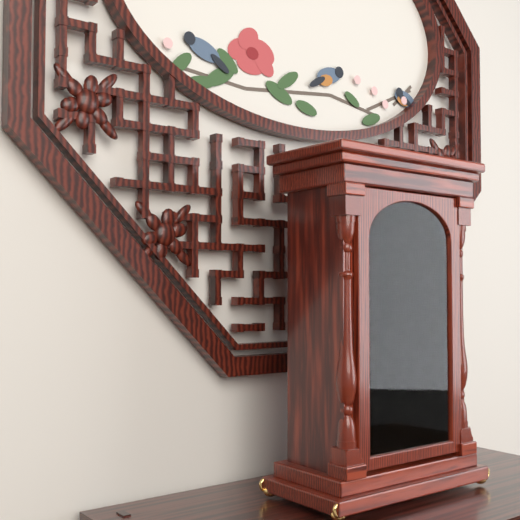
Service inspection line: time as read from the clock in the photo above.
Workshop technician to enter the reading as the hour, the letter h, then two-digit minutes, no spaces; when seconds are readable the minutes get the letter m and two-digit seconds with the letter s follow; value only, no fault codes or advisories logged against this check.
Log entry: 12h31
